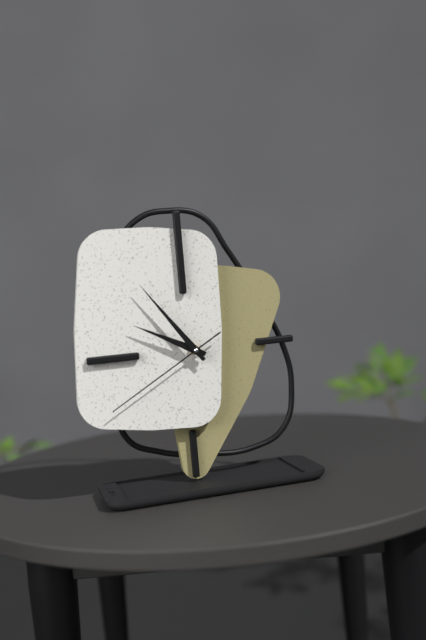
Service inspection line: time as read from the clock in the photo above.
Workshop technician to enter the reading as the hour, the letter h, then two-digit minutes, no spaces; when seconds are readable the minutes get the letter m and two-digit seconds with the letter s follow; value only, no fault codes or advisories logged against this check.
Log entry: 9h54m40s
